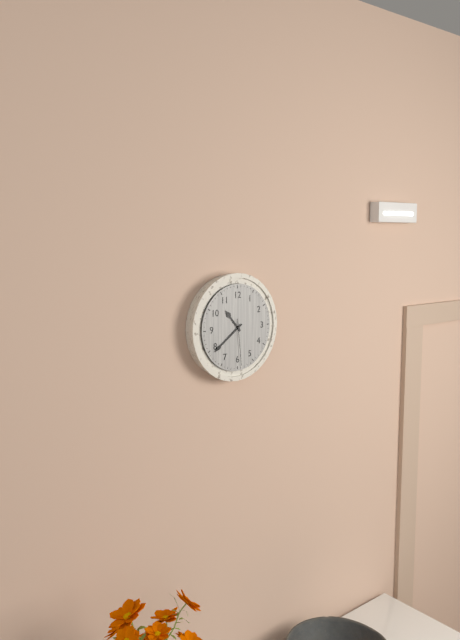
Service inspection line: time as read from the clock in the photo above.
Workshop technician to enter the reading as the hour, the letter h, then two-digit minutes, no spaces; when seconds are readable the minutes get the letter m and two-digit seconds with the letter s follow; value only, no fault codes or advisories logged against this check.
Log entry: 10h39
